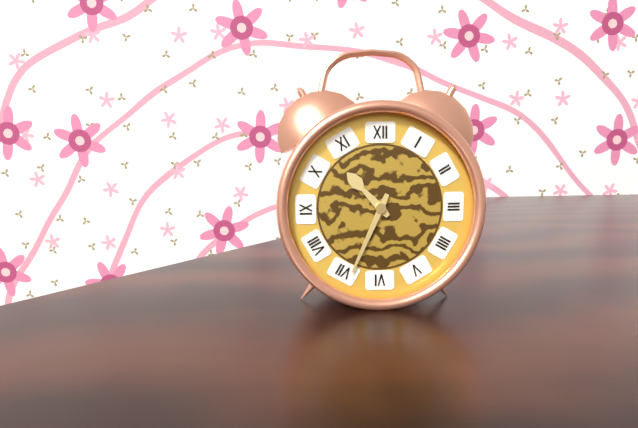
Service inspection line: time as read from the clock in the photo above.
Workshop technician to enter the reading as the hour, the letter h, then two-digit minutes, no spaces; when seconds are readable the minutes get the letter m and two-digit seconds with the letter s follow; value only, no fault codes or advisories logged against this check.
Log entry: 10h34
